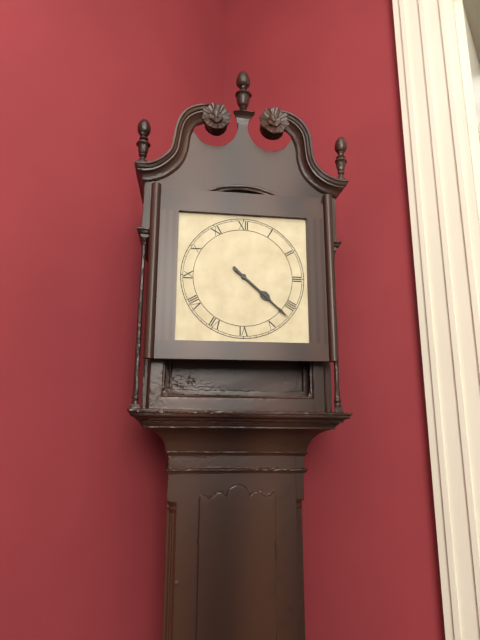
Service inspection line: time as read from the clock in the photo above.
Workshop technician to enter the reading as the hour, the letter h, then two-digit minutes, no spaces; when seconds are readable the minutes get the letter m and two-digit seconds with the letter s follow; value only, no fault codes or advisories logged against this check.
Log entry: 4h22
